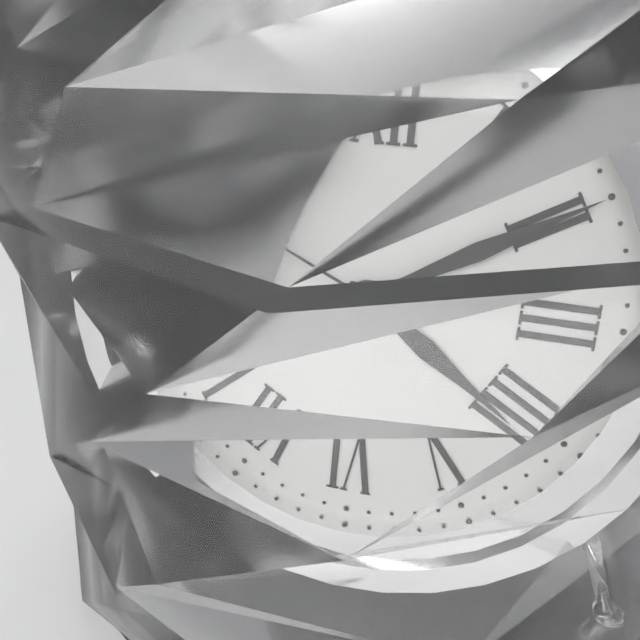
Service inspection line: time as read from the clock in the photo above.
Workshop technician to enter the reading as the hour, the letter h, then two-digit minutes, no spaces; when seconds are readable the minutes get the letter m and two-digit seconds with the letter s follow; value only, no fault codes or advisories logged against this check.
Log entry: 4h10m49s
